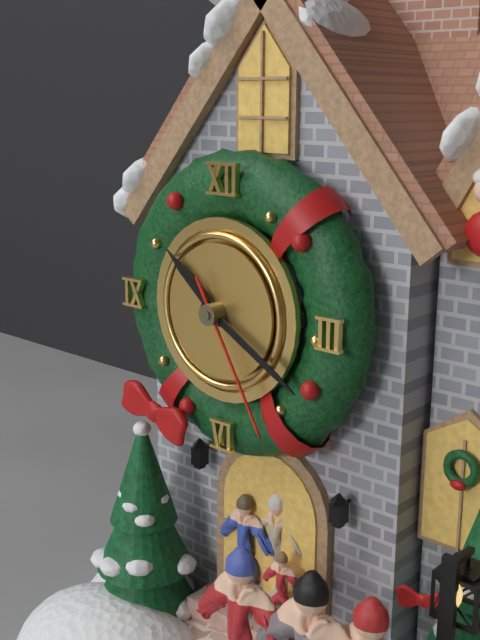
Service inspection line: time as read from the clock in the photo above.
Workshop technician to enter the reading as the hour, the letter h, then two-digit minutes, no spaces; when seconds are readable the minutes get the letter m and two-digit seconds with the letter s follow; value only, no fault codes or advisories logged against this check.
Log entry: 10h20m25s
